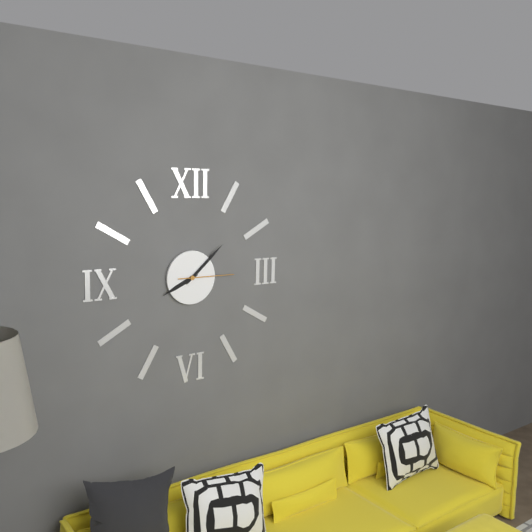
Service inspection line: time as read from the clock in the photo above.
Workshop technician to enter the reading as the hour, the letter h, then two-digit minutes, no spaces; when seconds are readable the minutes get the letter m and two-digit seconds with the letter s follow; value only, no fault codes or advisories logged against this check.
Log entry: 8h08m15s
